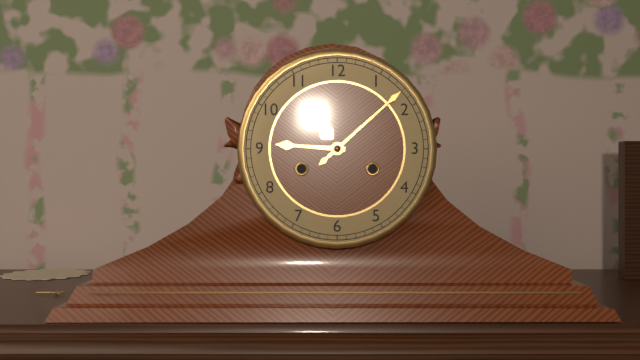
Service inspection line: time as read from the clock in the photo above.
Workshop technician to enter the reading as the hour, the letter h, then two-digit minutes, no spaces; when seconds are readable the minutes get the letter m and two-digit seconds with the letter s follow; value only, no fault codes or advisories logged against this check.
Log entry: 9h08
